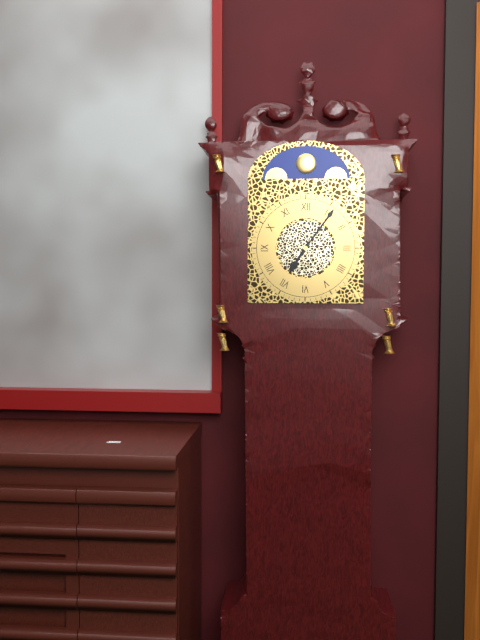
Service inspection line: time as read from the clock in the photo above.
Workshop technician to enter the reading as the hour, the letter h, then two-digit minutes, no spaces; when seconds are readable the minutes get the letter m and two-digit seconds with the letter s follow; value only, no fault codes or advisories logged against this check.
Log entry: 7h06
